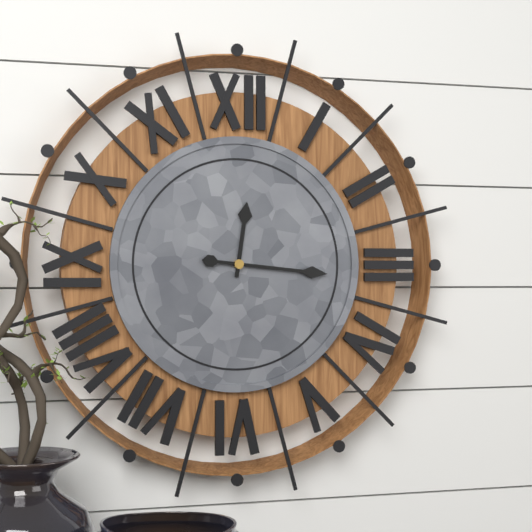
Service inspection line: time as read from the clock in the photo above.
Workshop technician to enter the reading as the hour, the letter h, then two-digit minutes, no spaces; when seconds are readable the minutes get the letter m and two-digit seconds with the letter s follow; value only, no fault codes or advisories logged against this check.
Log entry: 12h16
